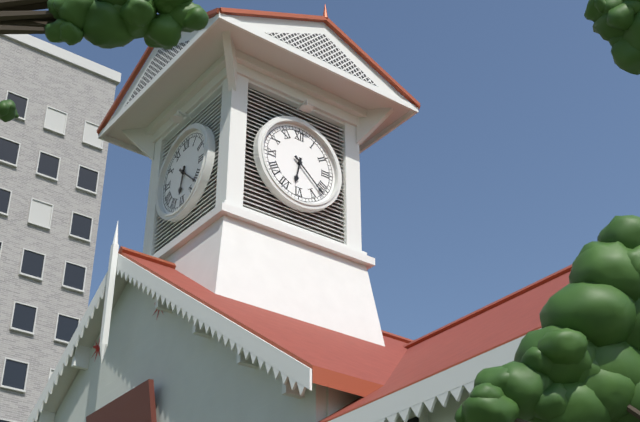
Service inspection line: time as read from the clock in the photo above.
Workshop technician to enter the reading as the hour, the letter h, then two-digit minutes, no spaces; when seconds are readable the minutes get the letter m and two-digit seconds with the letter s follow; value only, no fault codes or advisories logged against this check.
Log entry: 6h22
